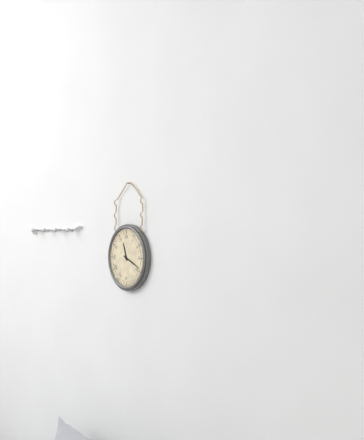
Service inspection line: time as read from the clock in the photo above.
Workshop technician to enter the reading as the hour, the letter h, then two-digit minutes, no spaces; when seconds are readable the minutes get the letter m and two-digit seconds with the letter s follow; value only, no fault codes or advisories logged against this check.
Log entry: 11h19
